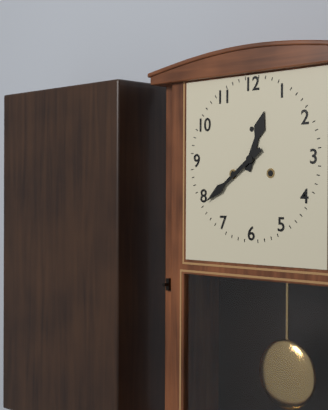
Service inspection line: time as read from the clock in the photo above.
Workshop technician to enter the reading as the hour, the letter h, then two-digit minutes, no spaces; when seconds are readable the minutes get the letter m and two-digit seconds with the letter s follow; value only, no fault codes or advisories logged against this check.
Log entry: 12h39
